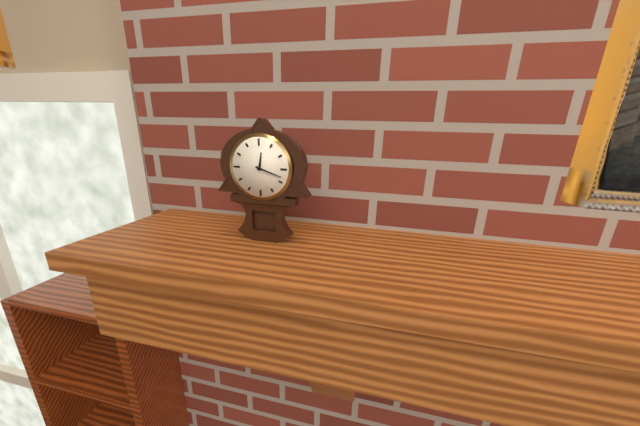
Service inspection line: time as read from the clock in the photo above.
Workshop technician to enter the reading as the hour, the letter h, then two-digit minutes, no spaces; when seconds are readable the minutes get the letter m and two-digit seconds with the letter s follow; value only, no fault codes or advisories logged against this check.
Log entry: 12h18
